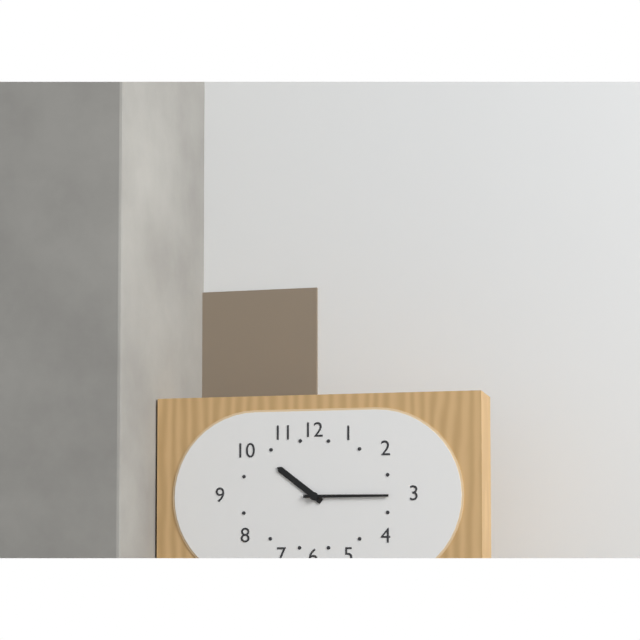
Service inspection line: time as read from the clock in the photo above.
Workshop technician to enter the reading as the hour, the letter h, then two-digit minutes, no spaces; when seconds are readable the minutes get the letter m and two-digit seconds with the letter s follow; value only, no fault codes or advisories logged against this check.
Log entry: 10h15
